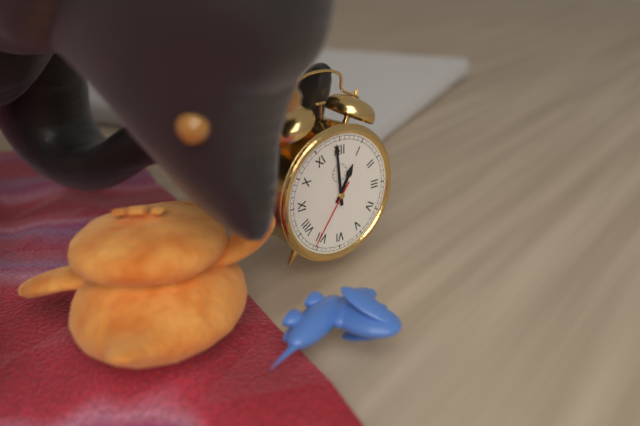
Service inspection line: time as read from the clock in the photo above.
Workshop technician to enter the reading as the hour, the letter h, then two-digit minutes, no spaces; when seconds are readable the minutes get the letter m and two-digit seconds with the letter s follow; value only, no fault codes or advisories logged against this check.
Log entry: 12h59m36s
